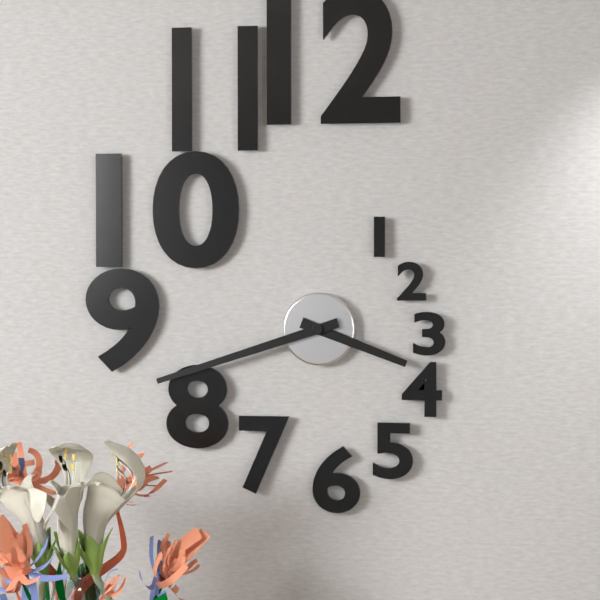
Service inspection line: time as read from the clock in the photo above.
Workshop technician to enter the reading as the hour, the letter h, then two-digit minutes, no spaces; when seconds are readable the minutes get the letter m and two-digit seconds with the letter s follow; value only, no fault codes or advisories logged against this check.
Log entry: 3h42
